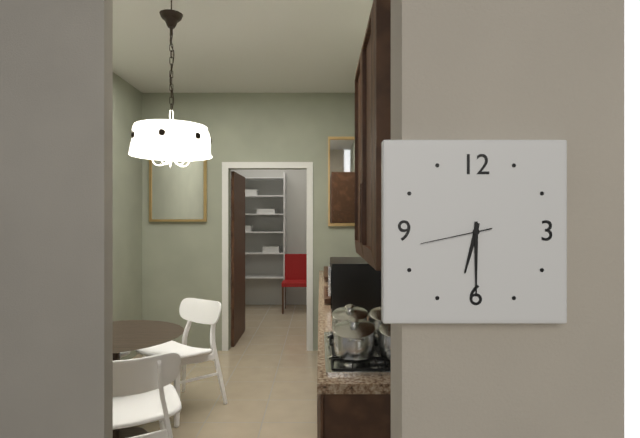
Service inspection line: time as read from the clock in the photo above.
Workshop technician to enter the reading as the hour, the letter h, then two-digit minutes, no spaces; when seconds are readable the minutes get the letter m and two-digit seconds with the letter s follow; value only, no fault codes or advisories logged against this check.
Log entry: 6h30m43s
